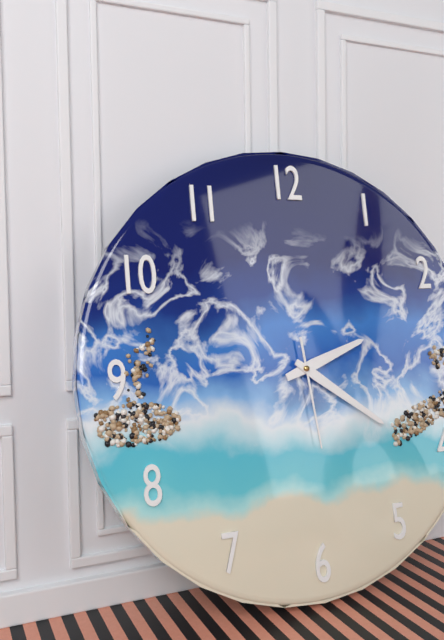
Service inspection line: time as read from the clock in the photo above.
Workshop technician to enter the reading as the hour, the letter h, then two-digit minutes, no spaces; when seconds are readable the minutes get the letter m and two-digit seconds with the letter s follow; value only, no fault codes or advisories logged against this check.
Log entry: 2h21m29s
